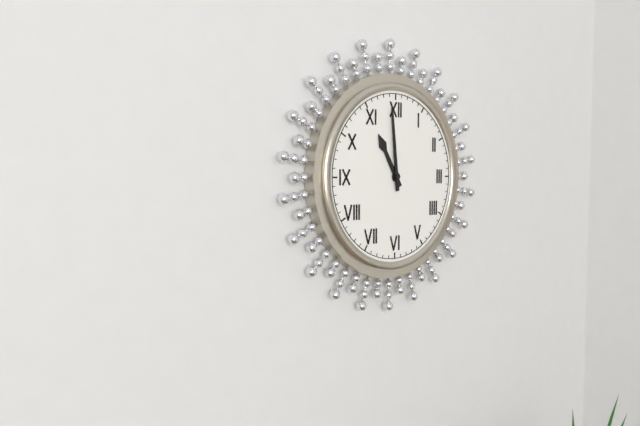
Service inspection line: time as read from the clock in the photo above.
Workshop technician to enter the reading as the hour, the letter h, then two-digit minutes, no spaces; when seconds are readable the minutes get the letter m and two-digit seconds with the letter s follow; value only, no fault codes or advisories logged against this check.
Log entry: 10h59
